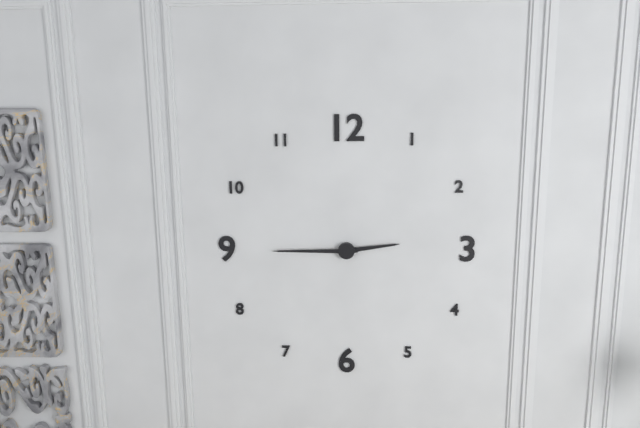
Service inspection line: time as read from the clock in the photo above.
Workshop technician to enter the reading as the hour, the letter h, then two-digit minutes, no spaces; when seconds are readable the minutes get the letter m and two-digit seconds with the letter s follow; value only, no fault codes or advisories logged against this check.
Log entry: 2h45
